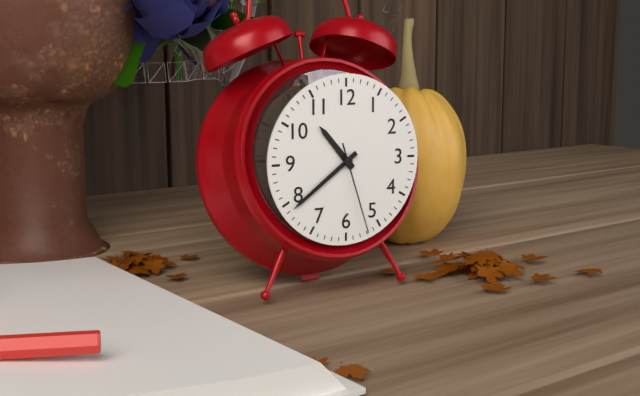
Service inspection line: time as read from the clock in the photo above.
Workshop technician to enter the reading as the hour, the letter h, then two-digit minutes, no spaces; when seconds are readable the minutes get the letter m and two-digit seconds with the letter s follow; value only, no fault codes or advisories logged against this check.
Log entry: 10h39m27s
